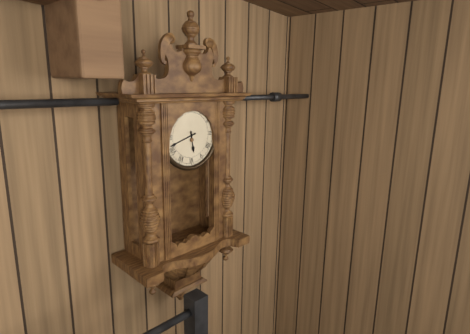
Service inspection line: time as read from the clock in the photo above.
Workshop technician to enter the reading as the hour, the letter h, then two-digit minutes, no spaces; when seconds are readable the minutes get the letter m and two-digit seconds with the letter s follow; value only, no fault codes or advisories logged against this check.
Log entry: 5h42
